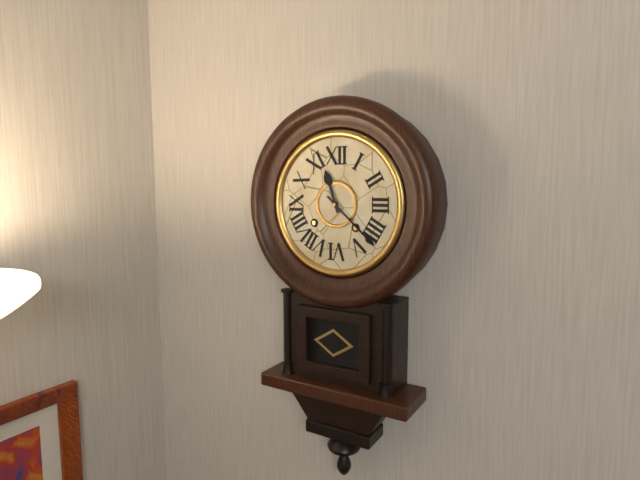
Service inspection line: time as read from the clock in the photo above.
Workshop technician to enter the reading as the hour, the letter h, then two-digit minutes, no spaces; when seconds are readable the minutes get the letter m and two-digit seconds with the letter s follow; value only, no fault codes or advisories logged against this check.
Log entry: 11h22
